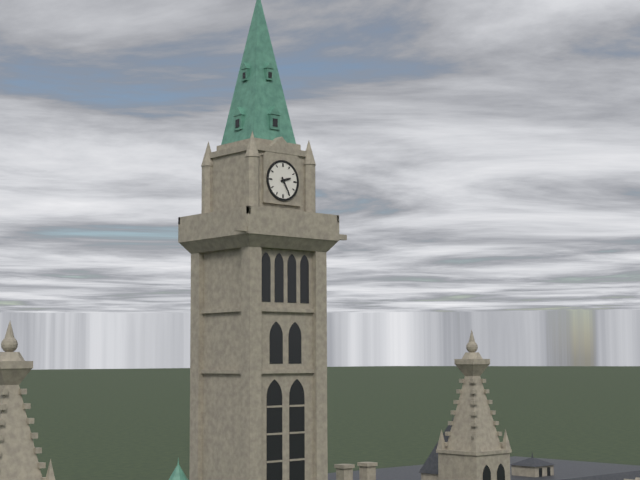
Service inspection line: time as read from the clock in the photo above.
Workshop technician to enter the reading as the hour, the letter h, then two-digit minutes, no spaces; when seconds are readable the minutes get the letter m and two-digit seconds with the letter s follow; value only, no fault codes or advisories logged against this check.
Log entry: 2h25
